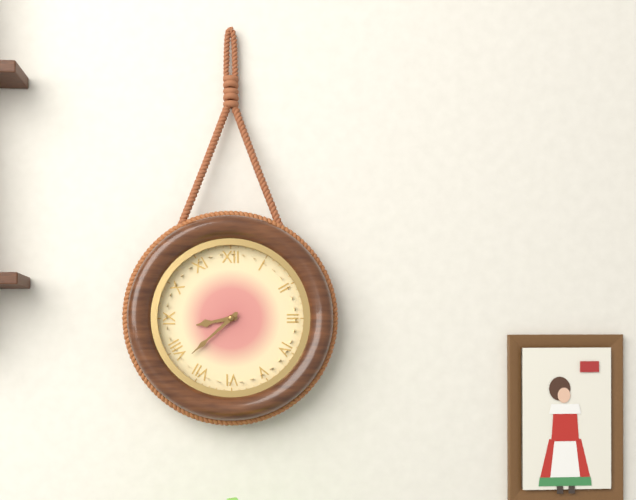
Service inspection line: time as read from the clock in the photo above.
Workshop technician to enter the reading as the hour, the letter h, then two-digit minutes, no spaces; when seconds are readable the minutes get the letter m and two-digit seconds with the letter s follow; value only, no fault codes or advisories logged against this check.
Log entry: 8h38
